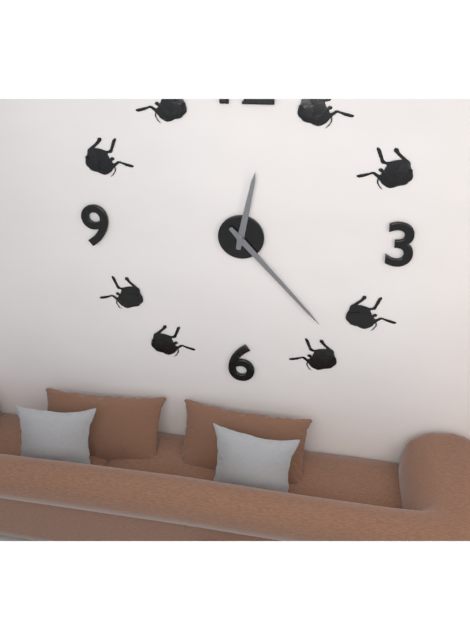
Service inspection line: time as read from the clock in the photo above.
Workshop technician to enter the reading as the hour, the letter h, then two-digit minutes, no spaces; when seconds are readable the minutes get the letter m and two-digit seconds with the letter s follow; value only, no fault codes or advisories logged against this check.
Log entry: 12h23
